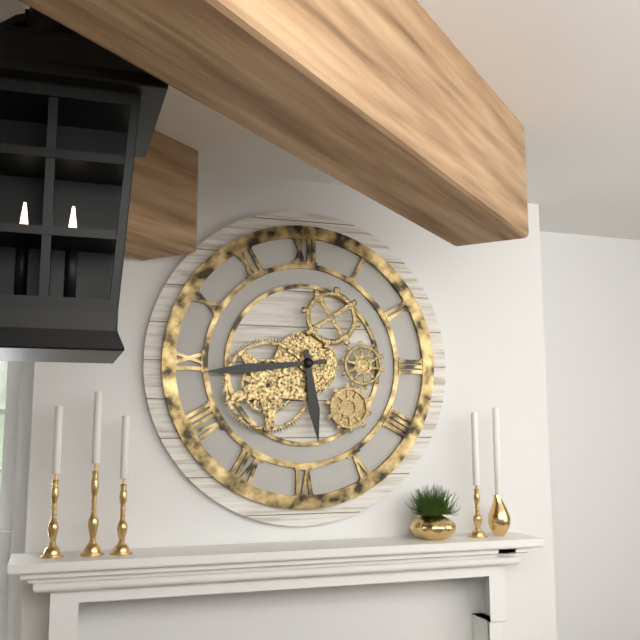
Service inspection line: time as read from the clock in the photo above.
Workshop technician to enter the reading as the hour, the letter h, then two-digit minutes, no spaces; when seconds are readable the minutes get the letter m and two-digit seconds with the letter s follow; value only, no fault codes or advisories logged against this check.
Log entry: 5h44
